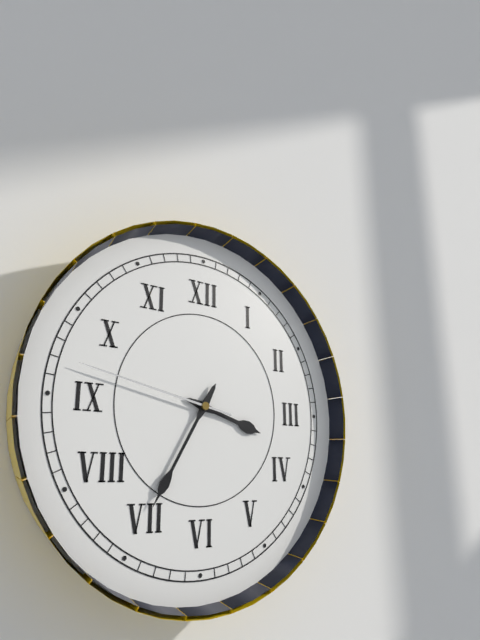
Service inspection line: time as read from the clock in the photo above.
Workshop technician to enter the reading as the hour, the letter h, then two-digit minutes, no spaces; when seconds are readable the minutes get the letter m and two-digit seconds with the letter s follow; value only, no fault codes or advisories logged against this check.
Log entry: 3h35m47s
